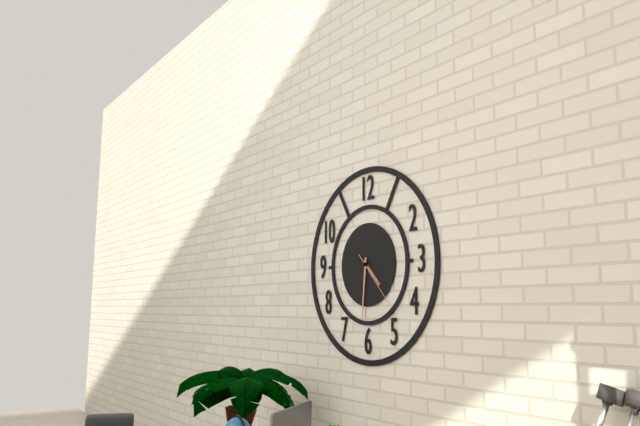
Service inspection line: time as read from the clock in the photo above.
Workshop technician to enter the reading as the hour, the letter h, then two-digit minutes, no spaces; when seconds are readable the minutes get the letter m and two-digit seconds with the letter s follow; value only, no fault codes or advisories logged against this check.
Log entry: 4h31m23s
